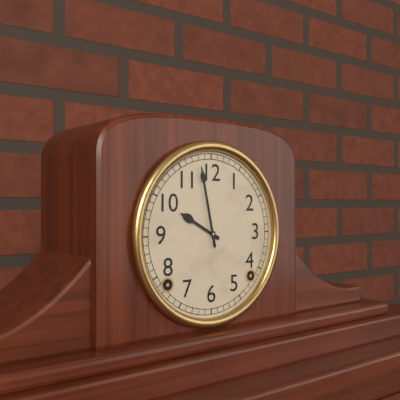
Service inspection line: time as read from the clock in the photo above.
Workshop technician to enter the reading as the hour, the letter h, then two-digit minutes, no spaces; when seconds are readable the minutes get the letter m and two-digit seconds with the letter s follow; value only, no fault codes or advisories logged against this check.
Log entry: 9h58
